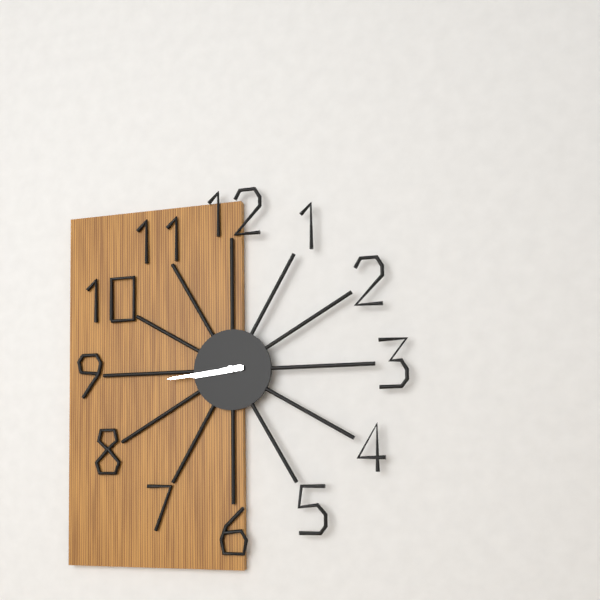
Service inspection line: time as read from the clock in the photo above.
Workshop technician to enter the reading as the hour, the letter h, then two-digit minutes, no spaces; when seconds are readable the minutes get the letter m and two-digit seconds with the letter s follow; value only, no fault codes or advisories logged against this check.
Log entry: 8h44
